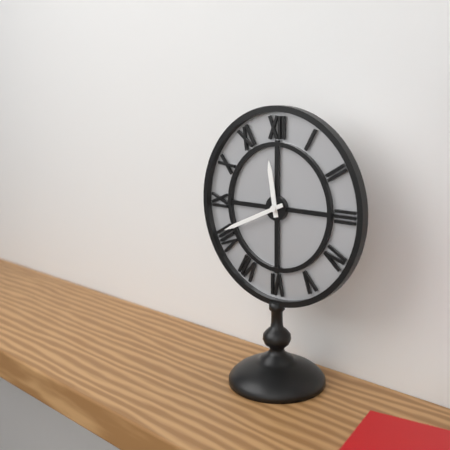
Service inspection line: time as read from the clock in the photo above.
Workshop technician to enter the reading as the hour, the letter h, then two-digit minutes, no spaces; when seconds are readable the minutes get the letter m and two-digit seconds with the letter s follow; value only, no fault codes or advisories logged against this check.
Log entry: 11h41
